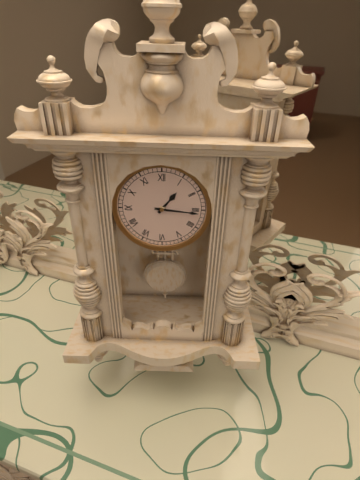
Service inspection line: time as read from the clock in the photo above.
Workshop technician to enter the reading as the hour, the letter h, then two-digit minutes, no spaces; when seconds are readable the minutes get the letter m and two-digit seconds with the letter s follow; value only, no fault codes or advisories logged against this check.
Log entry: 1h16
